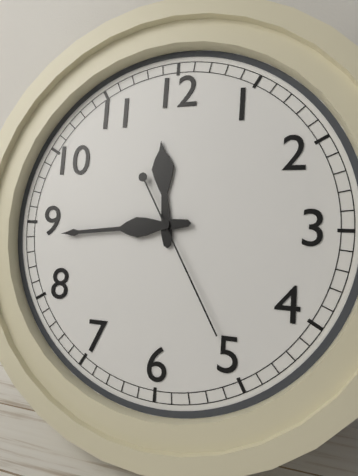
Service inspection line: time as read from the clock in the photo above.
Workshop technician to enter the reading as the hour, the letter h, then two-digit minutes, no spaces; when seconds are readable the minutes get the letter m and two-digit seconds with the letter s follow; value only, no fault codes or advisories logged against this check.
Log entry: 11h44m25s
